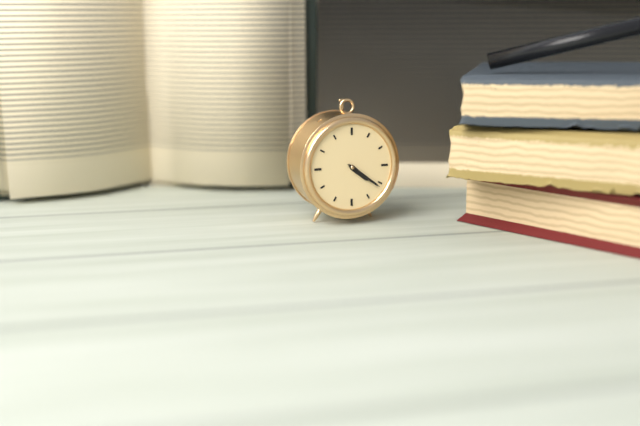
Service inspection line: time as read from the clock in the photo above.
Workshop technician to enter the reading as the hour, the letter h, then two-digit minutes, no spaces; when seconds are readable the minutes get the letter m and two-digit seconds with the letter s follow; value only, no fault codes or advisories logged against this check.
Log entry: 4h21
